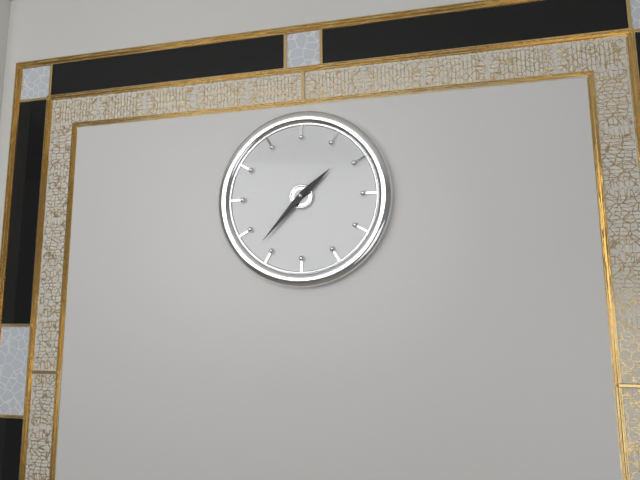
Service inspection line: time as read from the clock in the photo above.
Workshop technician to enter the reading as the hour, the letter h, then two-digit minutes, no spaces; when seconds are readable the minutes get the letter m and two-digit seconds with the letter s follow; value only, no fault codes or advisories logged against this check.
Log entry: 1h37
